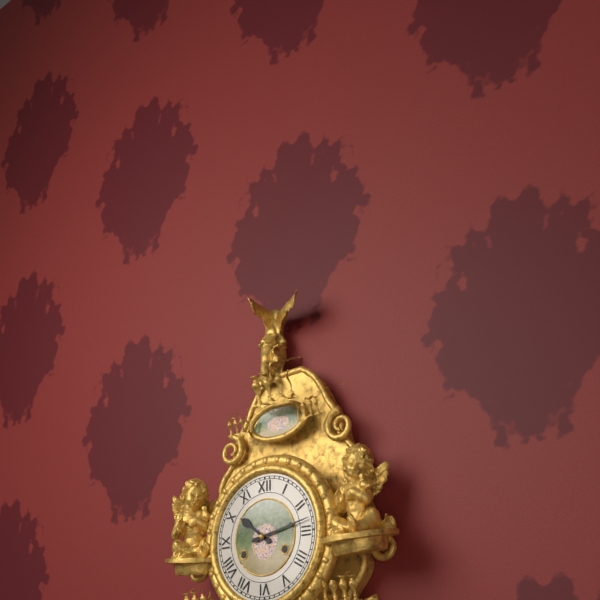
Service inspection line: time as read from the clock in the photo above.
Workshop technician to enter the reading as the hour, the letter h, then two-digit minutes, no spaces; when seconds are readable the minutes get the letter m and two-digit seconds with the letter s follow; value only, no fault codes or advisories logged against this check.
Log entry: 10h13
